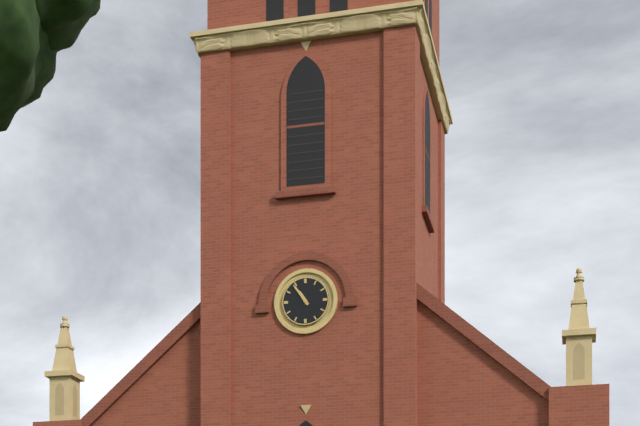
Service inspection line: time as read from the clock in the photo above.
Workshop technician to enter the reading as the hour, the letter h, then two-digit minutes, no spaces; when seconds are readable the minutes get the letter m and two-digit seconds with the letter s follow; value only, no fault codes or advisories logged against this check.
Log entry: 10h54
